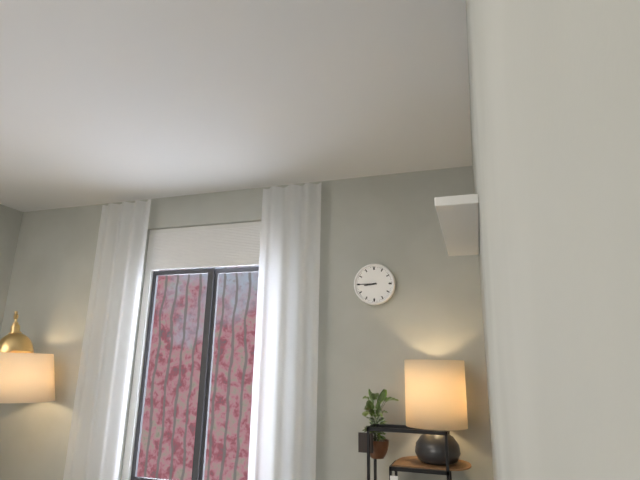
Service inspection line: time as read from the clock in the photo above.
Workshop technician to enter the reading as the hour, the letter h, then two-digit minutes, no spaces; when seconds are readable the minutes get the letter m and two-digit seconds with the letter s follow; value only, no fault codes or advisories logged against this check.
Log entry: 8h45
